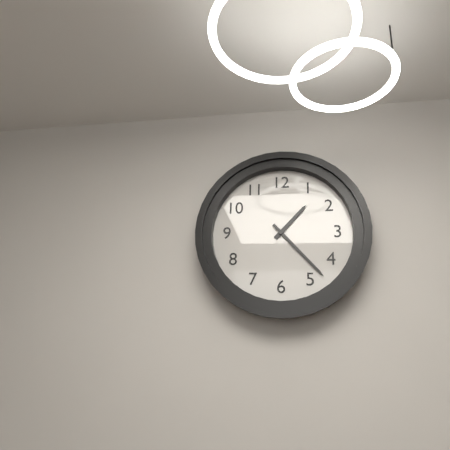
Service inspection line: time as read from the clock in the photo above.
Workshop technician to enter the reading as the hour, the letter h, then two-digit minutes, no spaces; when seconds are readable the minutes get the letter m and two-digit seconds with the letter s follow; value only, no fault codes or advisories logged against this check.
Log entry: 1h23
